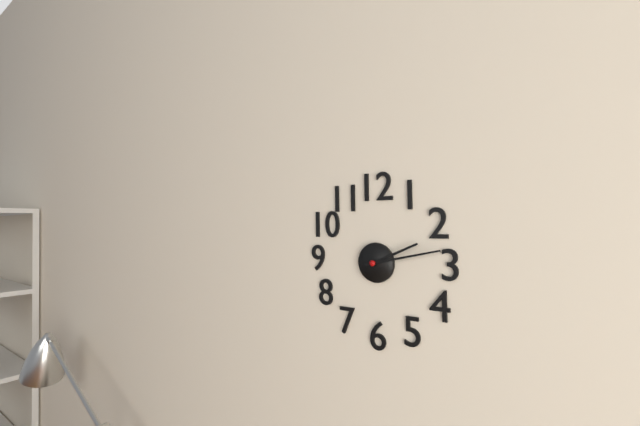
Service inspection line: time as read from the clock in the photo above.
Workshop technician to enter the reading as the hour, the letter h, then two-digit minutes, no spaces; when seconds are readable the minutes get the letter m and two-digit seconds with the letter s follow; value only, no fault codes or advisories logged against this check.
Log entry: 2h13
